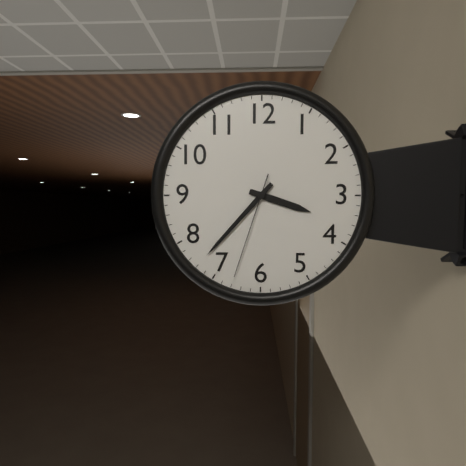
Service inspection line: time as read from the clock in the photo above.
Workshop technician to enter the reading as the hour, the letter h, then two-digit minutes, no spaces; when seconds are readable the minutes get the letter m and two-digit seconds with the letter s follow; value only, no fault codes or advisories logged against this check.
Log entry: 3h37m33s
